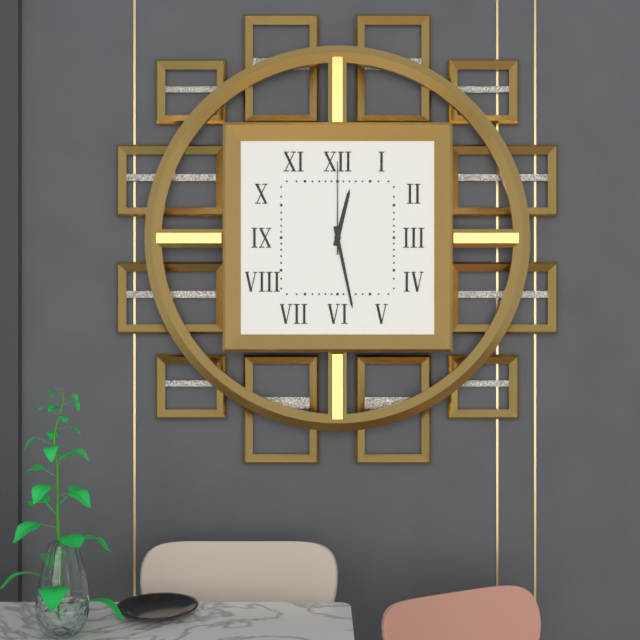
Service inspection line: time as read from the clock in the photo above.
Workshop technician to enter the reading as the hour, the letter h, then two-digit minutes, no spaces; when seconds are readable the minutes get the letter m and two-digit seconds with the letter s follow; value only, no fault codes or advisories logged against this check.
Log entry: 12h28m00s
